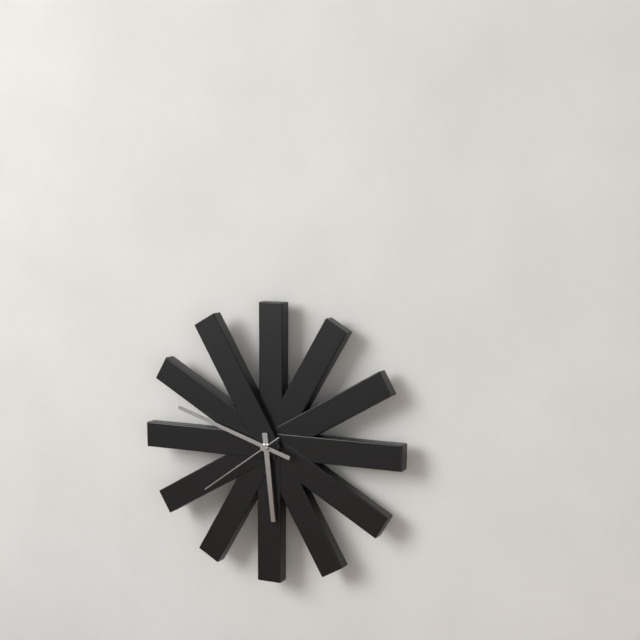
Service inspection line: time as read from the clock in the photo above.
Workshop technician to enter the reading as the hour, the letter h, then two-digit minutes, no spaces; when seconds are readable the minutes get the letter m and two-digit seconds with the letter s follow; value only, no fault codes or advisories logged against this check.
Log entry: 5h48m39s
